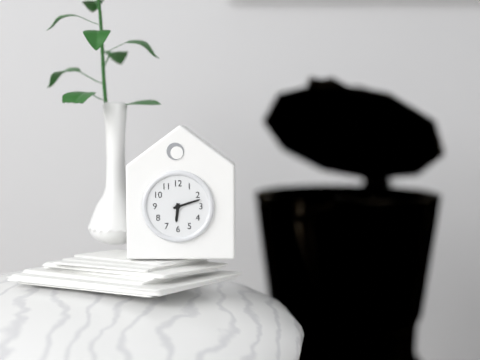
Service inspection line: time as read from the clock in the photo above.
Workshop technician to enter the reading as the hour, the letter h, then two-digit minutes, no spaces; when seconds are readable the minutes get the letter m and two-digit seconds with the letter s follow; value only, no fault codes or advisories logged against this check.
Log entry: 6h12
